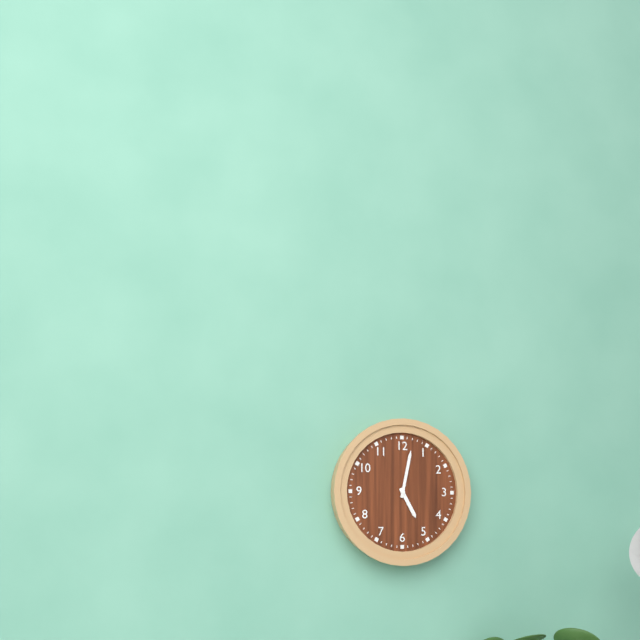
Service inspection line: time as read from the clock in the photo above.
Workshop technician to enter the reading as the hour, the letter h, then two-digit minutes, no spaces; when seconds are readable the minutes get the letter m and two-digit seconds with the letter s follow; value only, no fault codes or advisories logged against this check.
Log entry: 5h02
